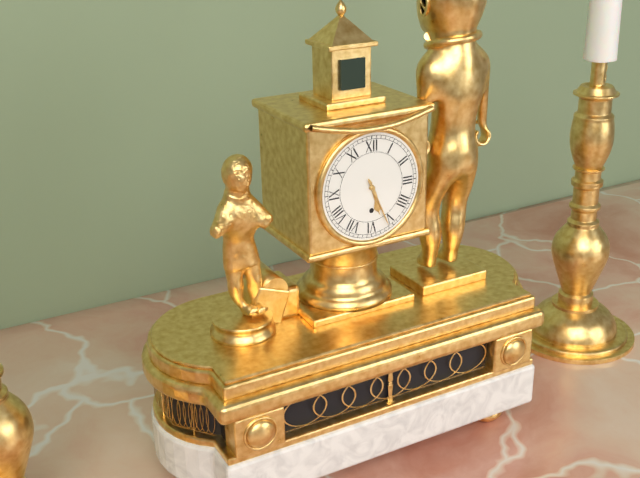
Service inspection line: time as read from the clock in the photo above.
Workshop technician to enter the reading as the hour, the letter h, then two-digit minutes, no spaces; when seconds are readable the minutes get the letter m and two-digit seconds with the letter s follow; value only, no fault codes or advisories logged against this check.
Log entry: 5h26
